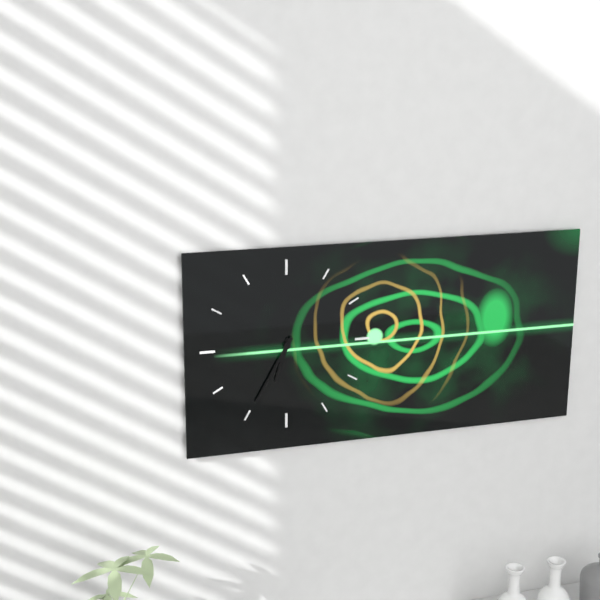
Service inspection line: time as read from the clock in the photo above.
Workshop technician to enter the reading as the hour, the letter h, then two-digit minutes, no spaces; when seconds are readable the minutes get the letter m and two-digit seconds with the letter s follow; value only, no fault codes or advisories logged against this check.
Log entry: 6h35
